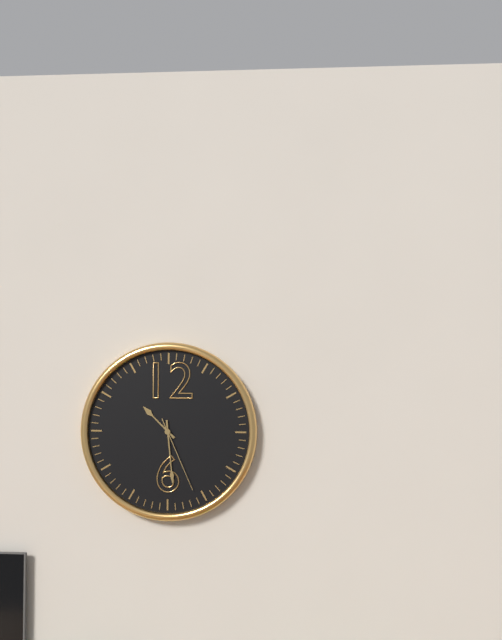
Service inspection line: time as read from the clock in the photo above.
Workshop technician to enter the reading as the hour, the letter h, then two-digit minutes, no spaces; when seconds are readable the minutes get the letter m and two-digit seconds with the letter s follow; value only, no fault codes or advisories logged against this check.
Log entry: 10h29m26s
